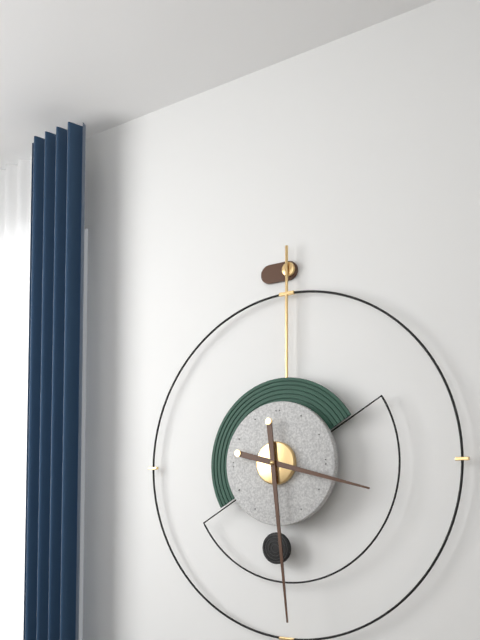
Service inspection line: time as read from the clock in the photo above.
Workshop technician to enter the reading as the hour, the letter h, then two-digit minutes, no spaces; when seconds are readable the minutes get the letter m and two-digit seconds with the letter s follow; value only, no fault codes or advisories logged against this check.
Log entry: 3h29
